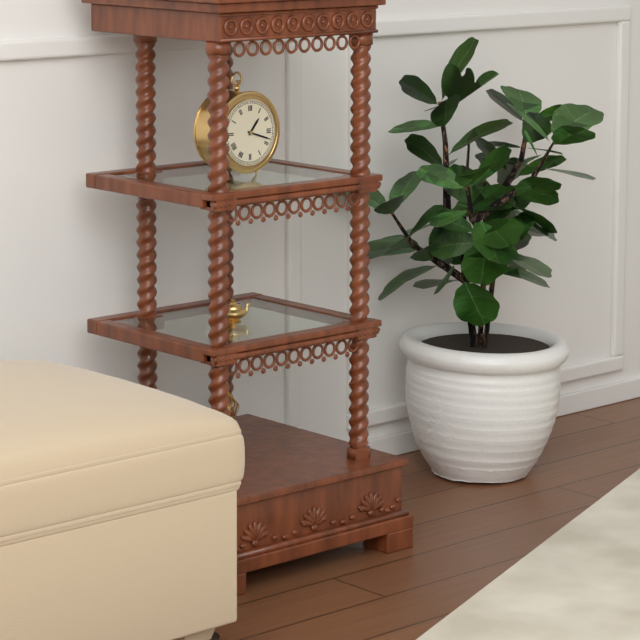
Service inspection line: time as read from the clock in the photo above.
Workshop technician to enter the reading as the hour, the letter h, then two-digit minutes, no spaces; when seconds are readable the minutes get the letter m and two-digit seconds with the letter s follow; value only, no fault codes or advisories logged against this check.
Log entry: 1h18
